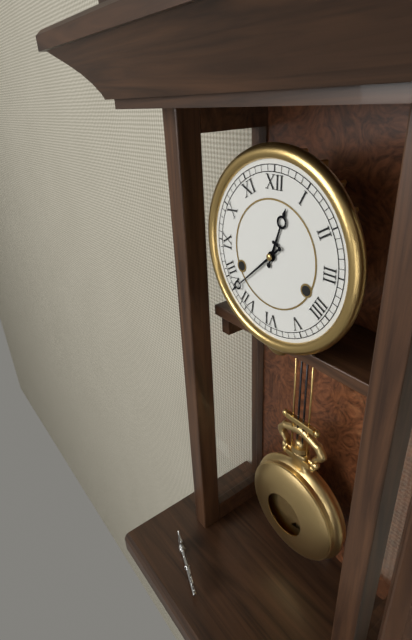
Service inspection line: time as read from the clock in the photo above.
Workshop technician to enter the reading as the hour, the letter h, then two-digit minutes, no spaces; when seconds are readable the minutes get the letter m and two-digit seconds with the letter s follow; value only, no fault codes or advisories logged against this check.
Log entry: 12h38
